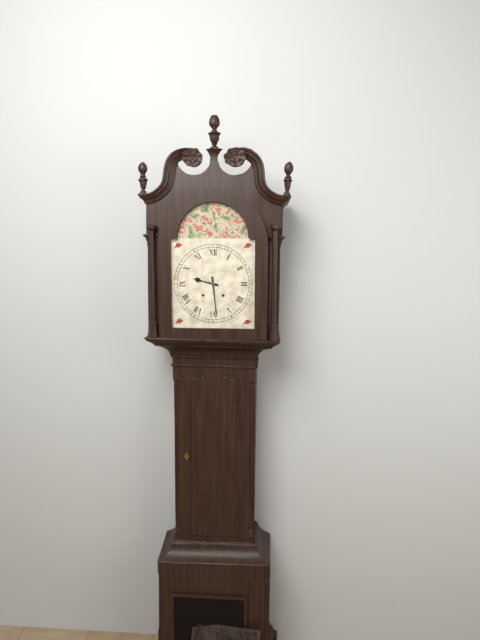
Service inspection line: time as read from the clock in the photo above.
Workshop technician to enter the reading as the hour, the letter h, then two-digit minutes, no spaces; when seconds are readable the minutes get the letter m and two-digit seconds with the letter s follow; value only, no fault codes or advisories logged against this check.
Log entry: 9h29
